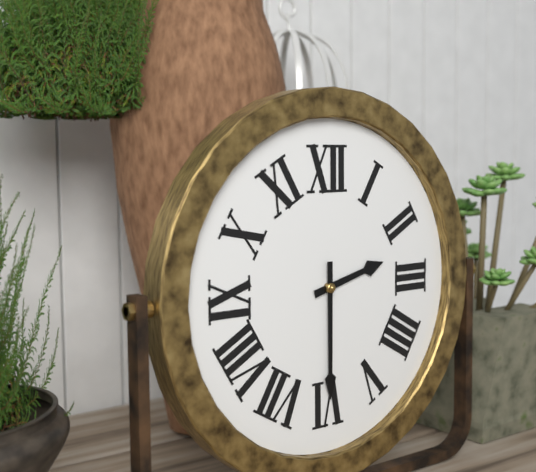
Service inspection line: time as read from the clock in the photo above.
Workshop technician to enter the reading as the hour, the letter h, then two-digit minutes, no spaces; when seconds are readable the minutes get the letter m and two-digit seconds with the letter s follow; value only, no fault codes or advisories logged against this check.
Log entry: 2h30
